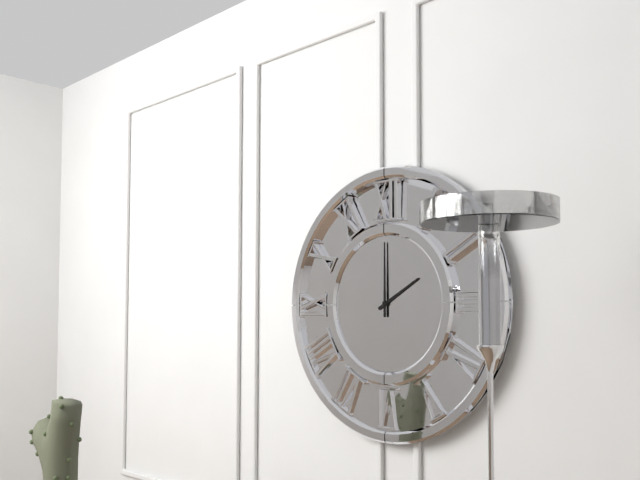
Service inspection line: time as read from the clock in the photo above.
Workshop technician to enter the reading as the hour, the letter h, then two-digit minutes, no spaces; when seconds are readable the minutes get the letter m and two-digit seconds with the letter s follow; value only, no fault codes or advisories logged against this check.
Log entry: 2h00
